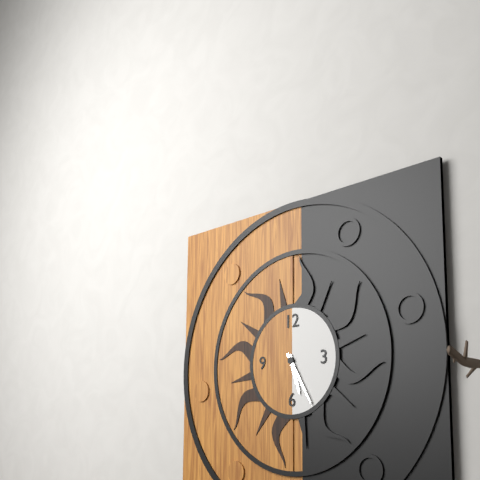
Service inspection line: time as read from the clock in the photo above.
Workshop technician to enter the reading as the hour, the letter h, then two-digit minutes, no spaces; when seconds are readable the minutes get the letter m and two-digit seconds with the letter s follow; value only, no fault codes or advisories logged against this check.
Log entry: 5h25
